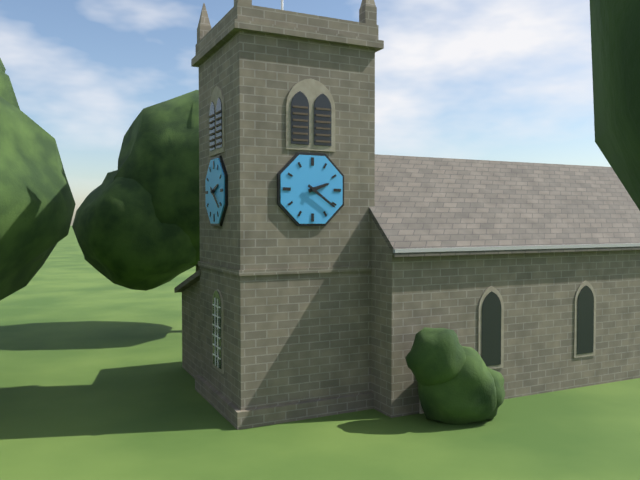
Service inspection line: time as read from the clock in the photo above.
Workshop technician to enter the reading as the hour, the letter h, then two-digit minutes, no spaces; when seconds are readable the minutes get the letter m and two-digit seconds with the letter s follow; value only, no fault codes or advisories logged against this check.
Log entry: 2h21
